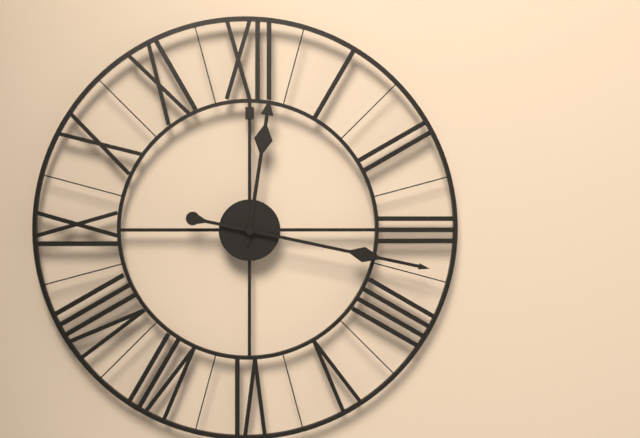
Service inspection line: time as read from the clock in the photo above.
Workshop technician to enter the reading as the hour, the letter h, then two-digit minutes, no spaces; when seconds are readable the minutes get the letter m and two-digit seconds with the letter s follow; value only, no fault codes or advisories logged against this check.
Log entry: 12h17
